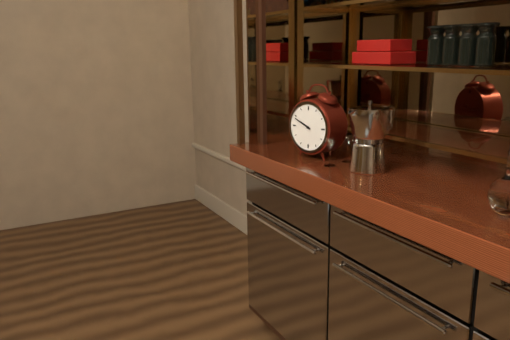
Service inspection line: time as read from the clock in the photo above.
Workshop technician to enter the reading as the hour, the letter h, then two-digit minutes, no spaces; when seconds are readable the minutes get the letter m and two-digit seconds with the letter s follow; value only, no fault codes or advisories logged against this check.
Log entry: 9h49
